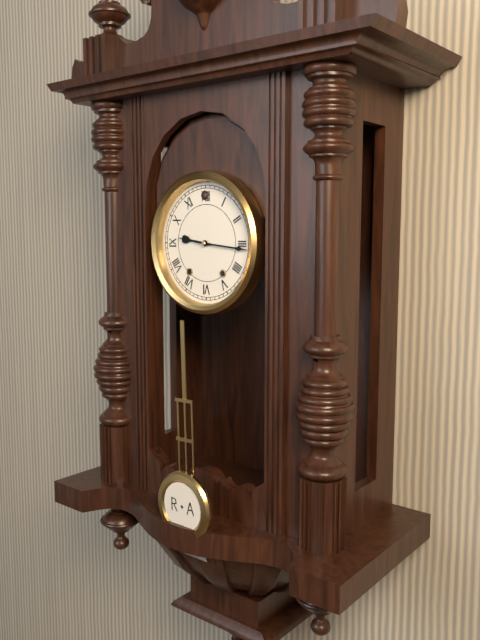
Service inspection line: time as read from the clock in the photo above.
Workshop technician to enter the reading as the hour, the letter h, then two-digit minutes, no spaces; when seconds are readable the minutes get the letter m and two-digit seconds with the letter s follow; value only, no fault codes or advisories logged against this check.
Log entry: 9h16
